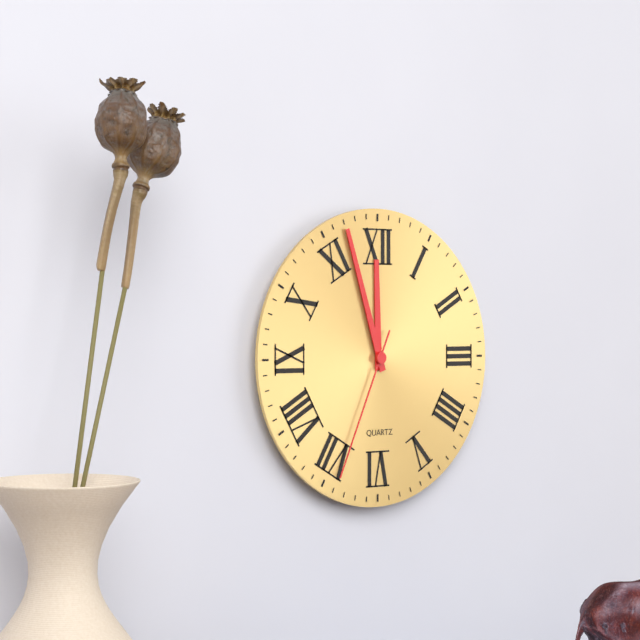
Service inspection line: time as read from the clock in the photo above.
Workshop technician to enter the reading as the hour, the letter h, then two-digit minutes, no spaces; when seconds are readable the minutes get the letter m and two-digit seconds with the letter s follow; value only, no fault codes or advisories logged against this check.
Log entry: 11h57m34s
